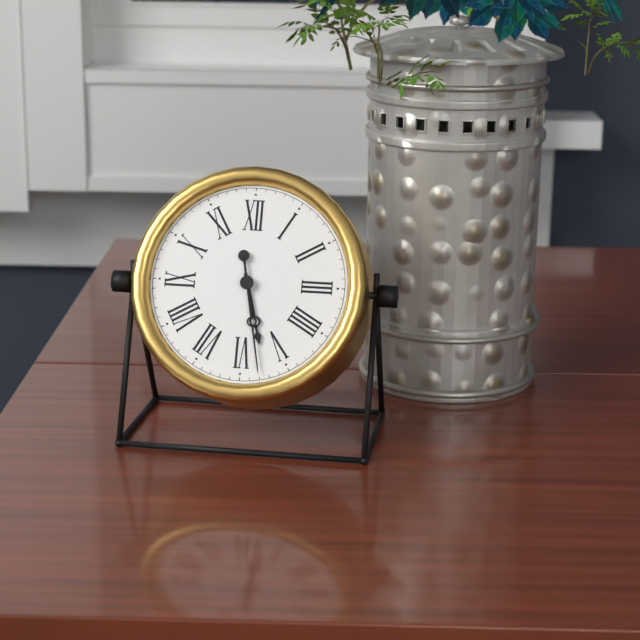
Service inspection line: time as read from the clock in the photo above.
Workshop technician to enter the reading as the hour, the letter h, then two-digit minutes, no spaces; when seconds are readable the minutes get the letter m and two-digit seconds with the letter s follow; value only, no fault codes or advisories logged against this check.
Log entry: 5h28
